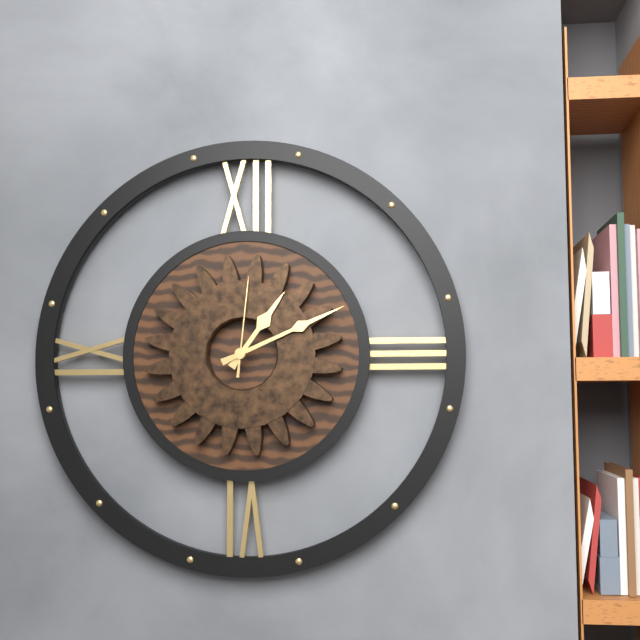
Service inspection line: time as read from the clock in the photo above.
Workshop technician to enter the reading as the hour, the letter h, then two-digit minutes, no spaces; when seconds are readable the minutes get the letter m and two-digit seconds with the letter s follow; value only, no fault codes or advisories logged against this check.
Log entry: 1h11m01s
